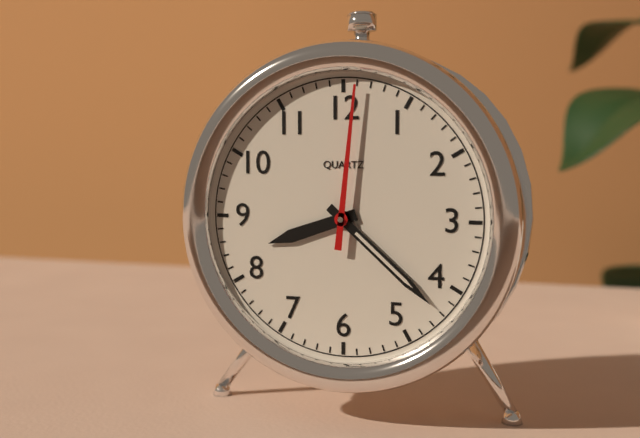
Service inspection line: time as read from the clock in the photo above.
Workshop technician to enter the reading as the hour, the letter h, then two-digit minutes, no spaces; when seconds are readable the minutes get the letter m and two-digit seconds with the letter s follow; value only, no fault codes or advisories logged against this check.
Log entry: 8h22m01s
